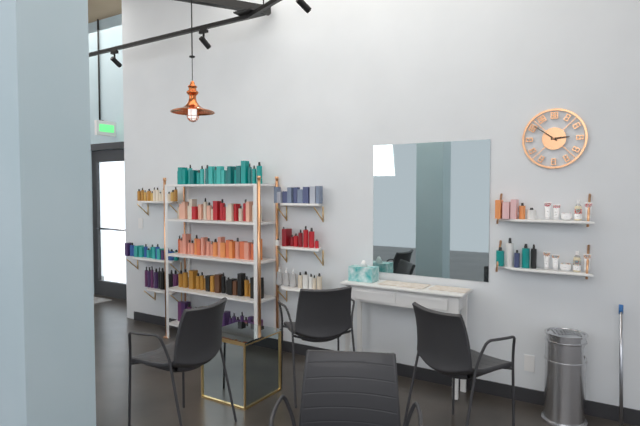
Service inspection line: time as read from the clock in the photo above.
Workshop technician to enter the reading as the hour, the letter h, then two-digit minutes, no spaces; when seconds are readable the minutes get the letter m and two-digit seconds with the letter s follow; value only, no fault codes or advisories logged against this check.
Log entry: 2h51
